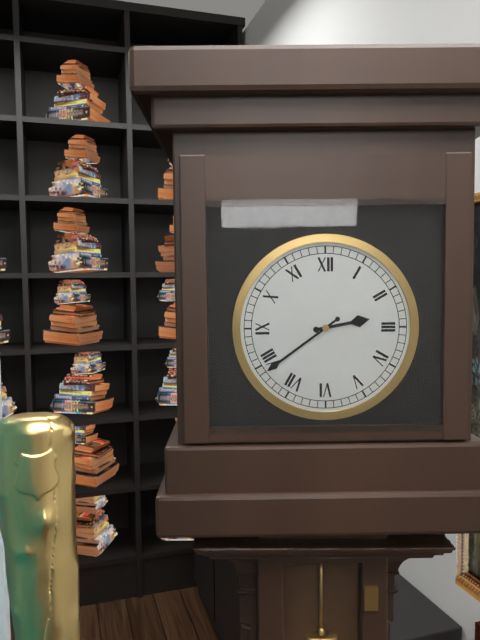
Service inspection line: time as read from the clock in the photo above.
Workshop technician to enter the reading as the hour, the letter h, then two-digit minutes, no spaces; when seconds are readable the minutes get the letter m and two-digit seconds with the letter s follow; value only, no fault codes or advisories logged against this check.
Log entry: 2h39
